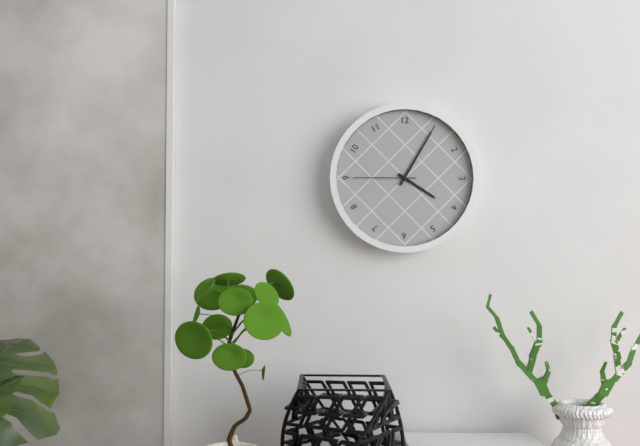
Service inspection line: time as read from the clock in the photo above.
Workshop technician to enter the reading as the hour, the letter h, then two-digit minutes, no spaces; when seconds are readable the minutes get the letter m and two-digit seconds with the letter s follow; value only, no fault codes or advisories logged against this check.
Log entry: 4h05m45s
